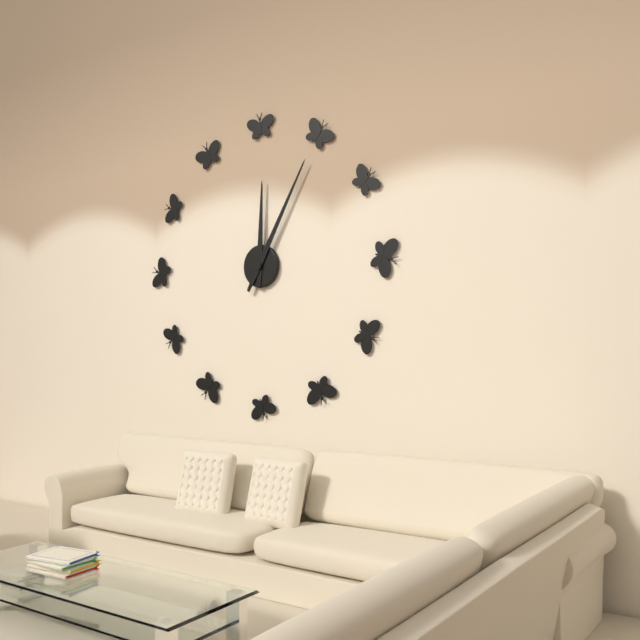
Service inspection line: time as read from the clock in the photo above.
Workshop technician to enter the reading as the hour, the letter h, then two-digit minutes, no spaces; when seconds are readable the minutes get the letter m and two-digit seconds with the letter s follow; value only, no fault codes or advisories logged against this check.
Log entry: 12h05
